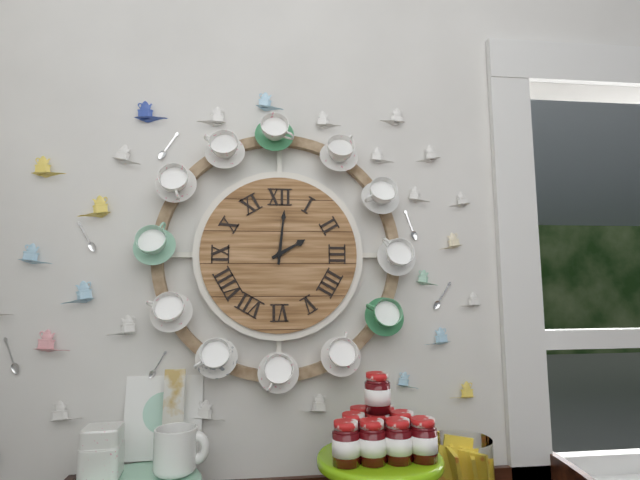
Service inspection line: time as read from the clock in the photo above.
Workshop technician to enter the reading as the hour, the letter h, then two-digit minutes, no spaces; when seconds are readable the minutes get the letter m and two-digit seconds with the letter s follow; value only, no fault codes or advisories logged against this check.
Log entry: 2h01
